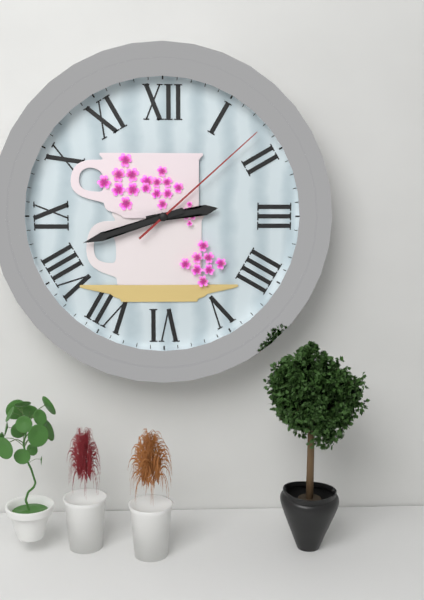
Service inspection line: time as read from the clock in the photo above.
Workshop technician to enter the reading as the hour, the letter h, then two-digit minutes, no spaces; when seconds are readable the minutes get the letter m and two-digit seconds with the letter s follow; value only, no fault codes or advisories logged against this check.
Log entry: 2h42m08s
